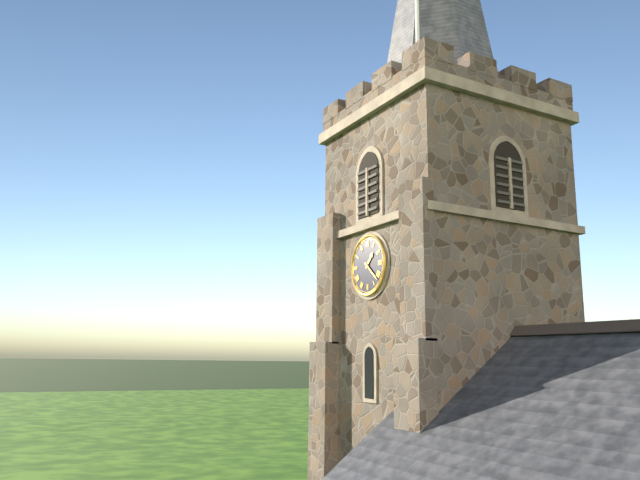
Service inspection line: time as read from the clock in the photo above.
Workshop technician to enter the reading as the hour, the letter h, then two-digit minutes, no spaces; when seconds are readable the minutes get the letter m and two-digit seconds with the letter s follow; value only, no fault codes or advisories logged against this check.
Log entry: 1h22
